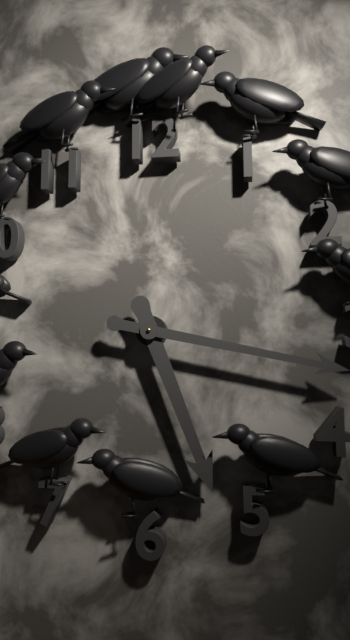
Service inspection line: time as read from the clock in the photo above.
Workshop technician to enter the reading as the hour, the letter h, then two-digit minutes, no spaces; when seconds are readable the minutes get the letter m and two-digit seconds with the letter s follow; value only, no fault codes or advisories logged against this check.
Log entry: 5h17
